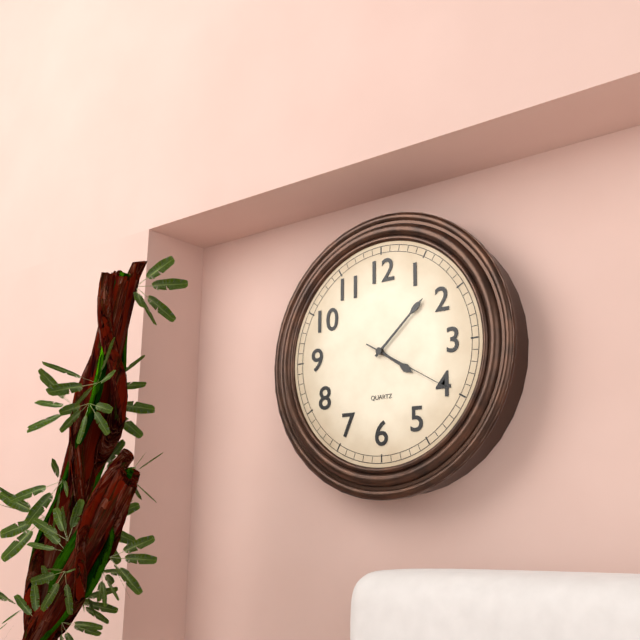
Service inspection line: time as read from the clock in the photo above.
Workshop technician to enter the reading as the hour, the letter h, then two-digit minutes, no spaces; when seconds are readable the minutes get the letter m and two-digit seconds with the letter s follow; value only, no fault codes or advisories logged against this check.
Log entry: 4h08m20s
